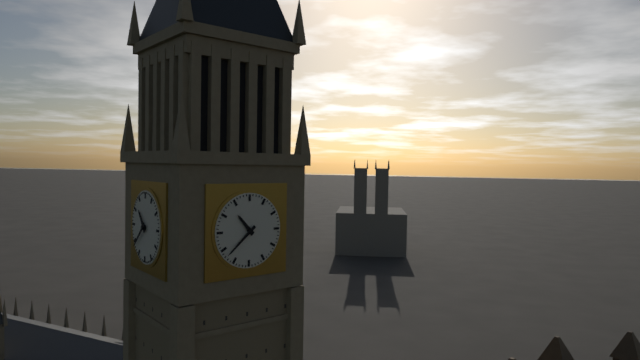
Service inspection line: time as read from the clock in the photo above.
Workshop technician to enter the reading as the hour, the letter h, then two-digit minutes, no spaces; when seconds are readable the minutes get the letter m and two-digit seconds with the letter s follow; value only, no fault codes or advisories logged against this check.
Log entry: 10h38
